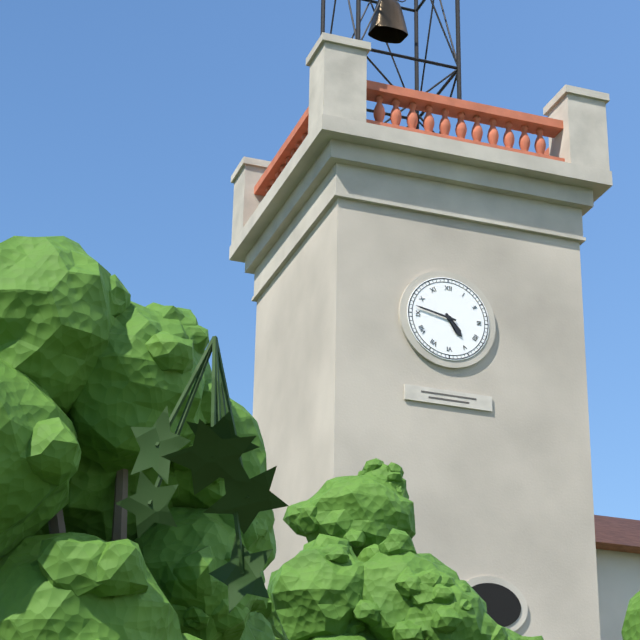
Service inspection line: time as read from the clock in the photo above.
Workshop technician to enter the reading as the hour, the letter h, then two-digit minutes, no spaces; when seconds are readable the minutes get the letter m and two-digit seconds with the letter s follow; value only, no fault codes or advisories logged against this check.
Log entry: 4h47
